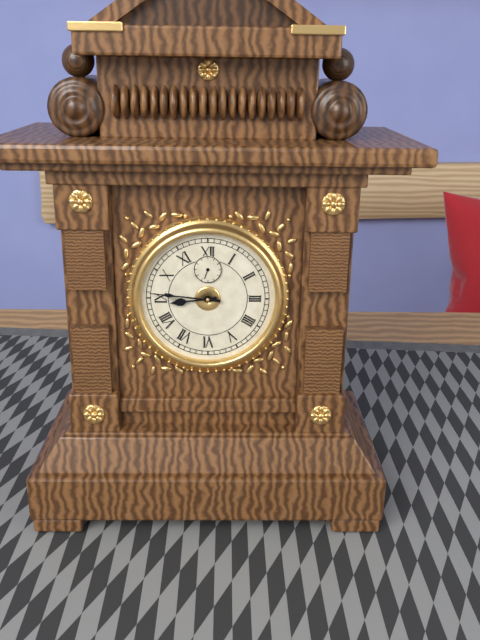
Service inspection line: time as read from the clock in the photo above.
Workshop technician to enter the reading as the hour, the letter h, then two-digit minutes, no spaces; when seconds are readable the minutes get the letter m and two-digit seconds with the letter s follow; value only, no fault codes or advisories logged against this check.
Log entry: 8h46
